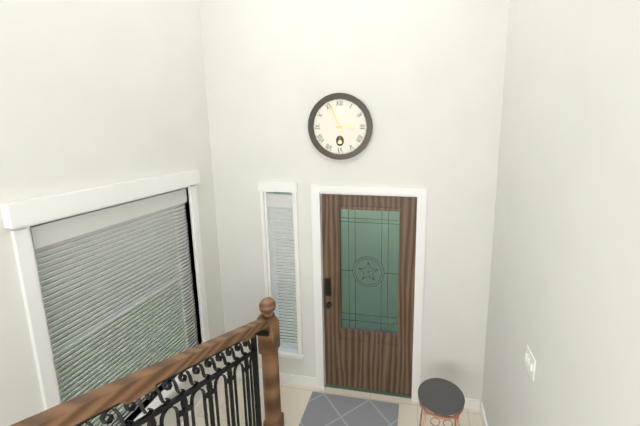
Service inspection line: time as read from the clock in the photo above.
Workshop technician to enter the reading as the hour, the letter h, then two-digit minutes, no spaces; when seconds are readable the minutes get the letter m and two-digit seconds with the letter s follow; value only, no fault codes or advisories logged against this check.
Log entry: 2h56
